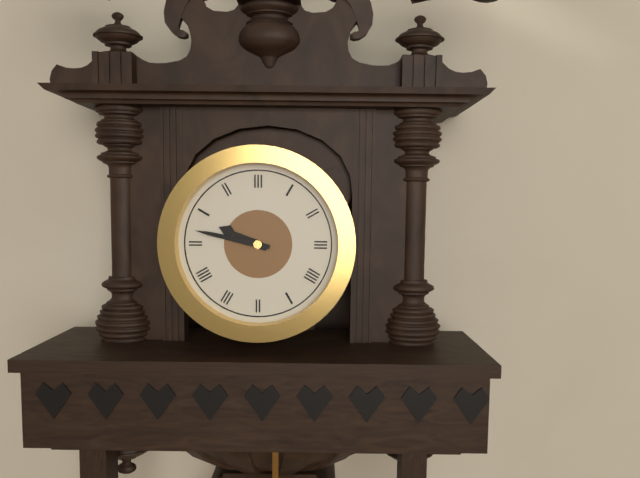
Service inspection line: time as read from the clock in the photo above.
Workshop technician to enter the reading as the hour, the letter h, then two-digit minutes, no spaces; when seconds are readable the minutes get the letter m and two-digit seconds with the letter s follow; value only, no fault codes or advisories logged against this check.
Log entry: 9h47
